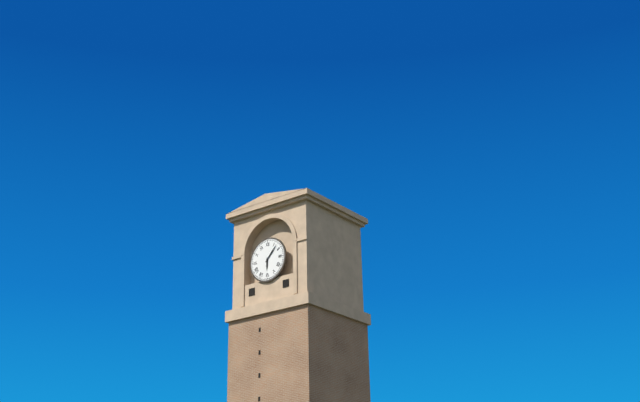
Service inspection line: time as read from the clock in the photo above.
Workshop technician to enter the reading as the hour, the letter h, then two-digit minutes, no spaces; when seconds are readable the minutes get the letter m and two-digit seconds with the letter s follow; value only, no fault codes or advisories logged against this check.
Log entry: 6h07
